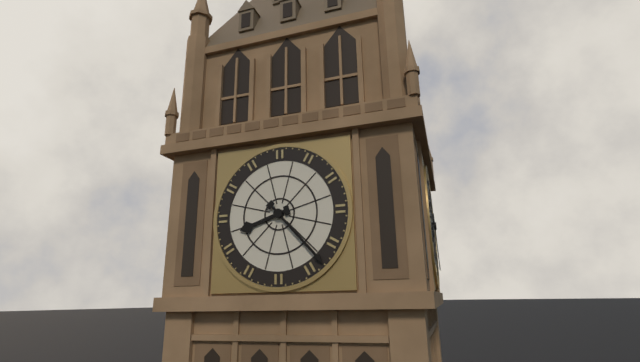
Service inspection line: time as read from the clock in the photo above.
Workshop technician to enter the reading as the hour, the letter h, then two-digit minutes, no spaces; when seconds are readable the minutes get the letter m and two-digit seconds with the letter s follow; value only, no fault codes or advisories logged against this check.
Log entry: 8h23
